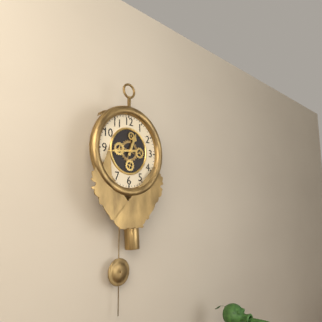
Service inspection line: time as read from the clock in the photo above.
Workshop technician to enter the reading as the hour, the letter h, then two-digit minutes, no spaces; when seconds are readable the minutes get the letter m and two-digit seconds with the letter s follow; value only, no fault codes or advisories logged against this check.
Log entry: 12h44
